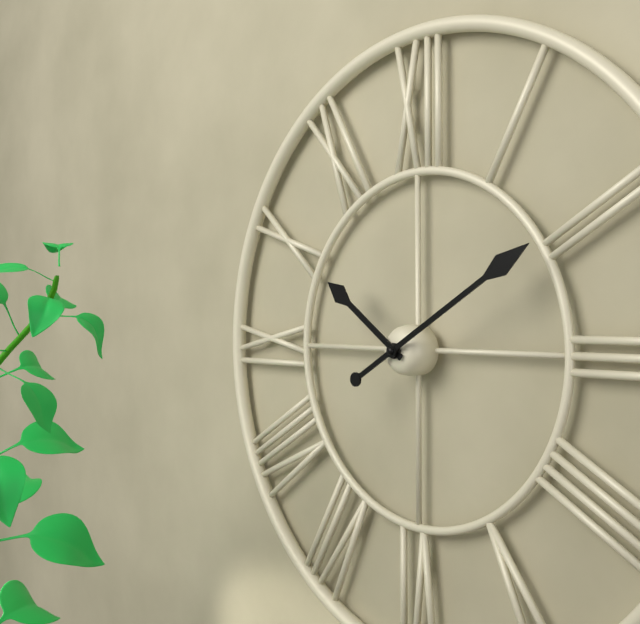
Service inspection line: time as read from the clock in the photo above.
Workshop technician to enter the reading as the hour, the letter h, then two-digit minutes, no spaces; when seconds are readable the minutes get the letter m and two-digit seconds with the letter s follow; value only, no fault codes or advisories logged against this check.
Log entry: 10h10
